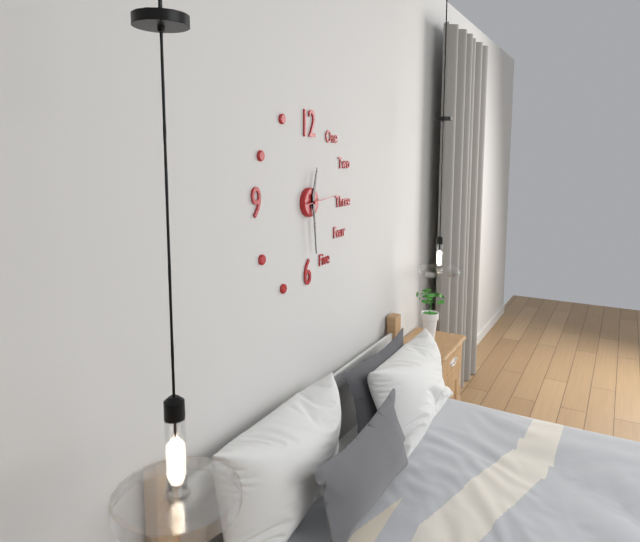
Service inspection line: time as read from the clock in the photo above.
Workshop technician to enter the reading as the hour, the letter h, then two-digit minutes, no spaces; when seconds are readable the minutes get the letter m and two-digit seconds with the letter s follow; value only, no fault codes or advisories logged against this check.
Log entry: 12h29
